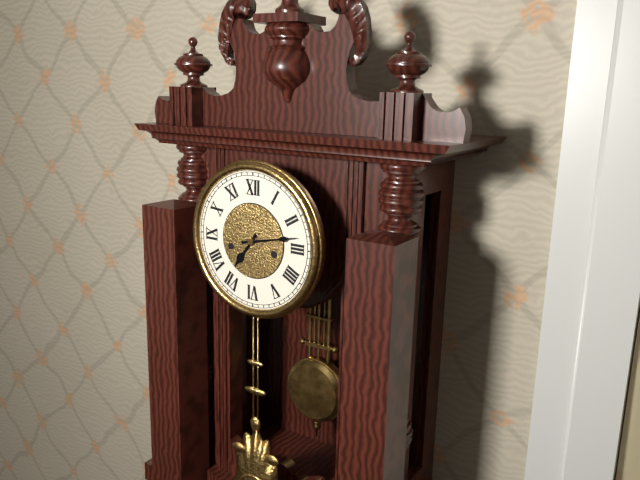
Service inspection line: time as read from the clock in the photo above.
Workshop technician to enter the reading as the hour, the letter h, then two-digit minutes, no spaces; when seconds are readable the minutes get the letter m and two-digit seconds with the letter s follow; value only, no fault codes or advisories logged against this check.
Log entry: 7h13
